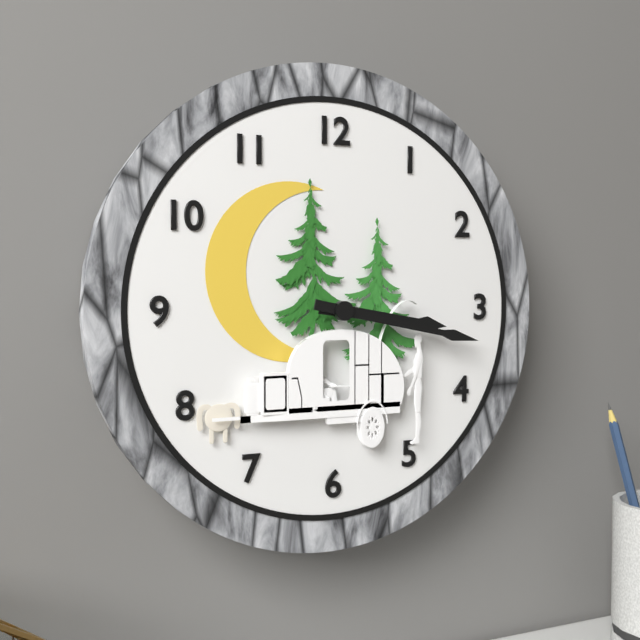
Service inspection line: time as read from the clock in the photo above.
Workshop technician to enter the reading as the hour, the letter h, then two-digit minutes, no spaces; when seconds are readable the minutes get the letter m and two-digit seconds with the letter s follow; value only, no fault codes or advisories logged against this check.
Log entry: 3h17
